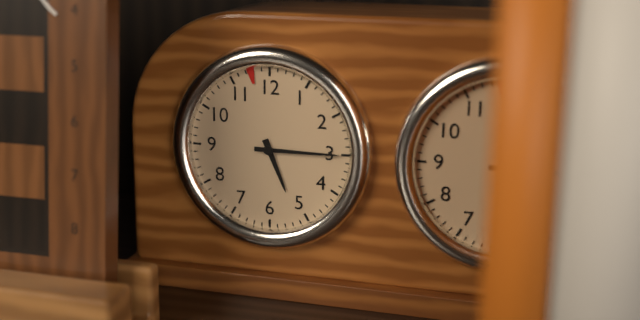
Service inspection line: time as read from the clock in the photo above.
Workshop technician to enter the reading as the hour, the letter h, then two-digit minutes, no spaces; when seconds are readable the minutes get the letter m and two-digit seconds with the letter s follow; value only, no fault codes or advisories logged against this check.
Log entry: 5h15
